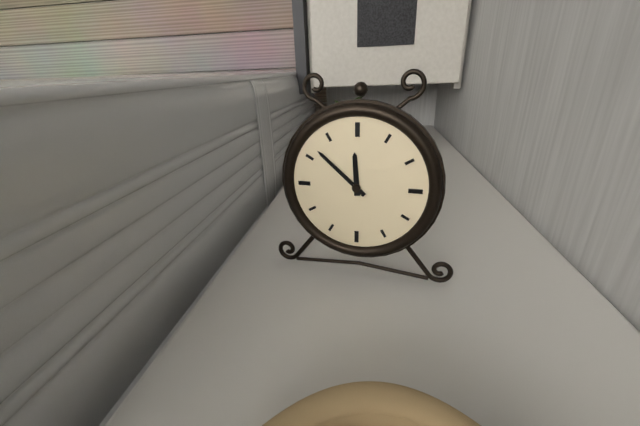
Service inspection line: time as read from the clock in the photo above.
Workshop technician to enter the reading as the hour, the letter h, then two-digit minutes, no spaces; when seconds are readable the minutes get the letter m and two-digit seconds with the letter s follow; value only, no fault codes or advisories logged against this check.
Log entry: 11h52
